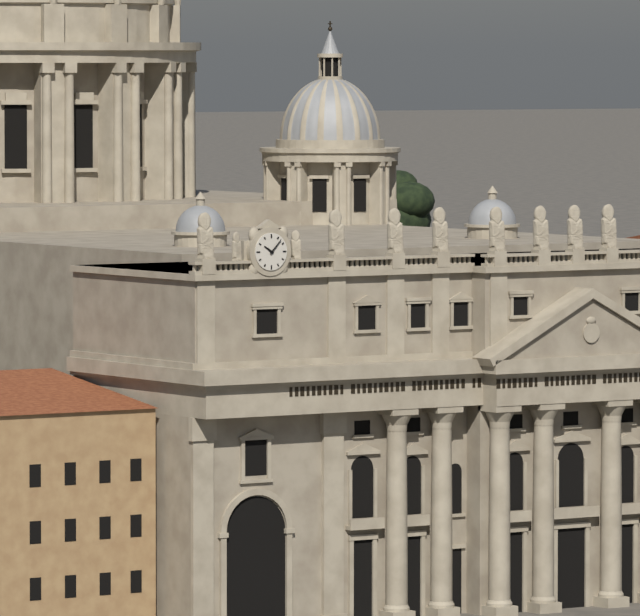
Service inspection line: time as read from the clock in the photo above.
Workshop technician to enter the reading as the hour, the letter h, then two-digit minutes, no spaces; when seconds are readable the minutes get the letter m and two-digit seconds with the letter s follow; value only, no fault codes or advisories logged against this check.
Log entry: 10h07
